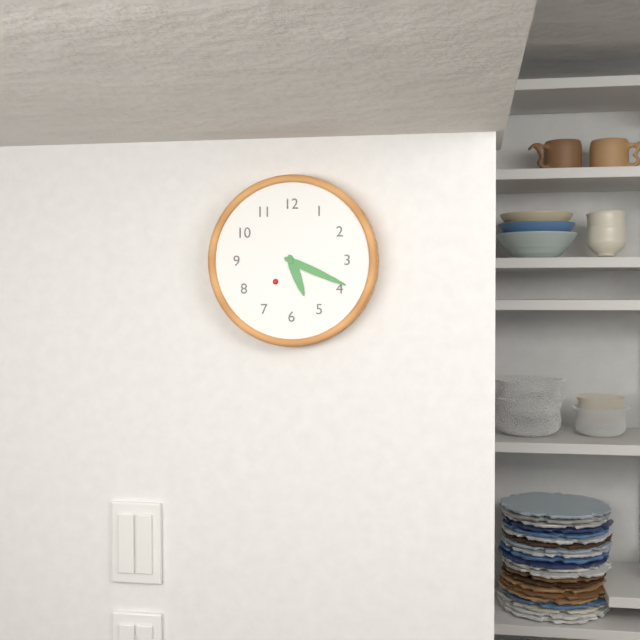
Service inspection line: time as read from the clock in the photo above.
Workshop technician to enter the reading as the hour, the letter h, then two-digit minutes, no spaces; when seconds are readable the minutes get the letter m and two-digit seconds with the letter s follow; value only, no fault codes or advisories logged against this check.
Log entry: 5h19
